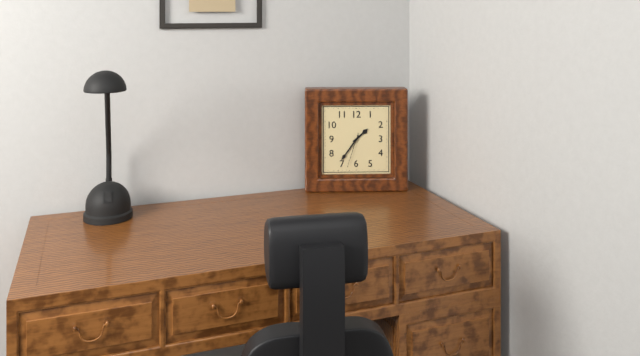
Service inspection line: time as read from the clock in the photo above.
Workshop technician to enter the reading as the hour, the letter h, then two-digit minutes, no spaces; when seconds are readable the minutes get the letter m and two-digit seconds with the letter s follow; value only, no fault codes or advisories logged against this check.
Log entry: 1h36
